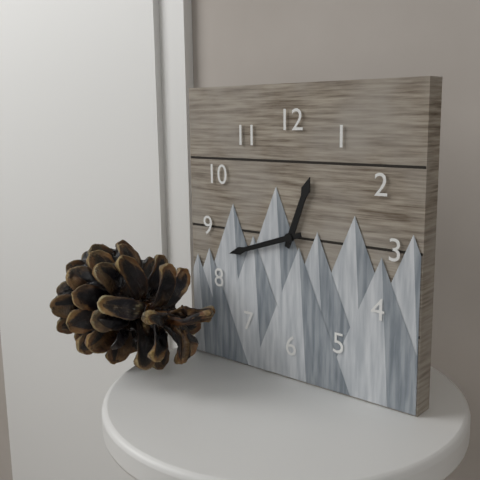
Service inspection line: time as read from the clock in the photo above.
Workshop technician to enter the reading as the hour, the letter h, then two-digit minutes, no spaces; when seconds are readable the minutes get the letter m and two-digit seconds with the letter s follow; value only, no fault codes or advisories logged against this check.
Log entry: 12h42
